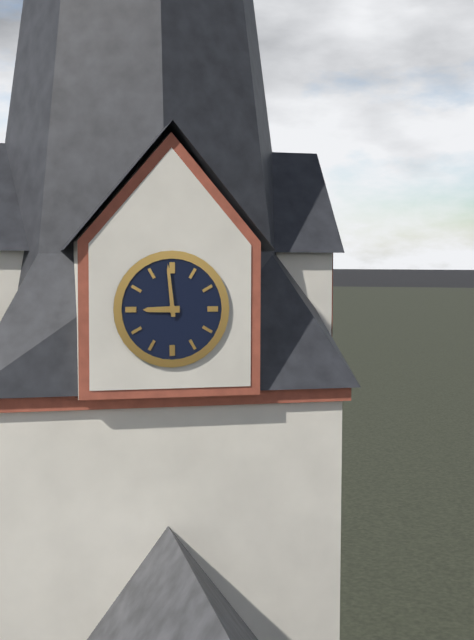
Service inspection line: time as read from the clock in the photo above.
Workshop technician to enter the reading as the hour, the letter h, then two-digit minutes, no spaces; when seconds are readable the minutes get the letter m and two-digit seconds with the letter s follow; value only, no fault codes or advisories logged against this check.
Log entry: 8h59
